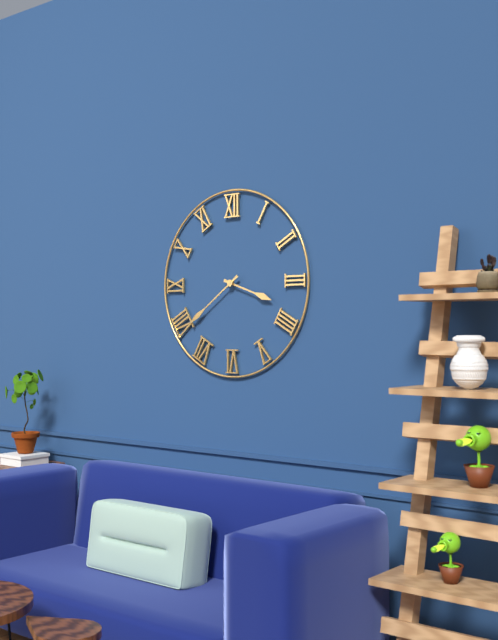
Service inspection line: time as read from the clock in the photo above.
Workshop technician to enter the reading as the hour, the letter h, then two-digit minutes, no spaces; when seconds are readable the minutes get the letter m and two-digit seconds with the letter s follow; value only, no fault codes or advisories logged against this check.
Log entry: 3h39
